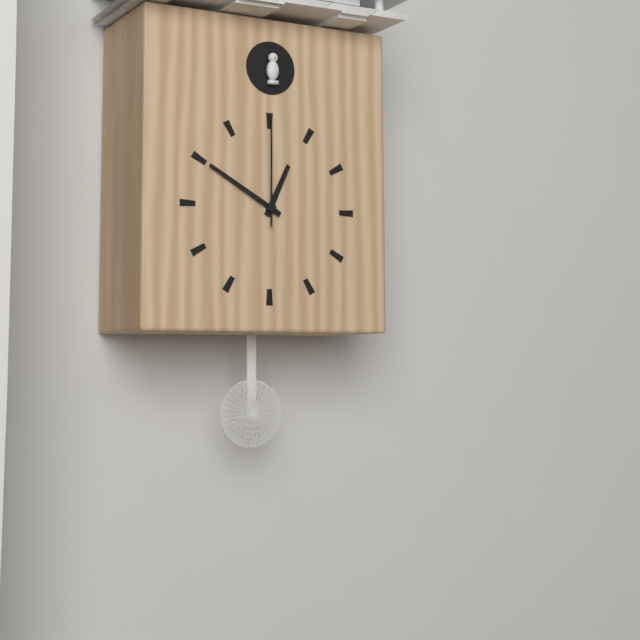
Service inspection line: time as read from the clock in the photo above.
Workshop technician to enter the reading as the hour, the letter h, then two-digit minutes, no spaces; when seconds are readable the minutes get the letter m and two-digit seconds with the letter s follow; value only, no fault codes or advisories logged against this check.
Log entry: 12h50m00s
